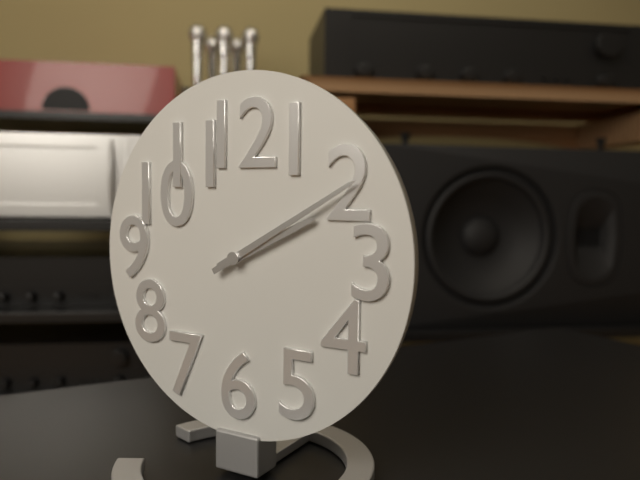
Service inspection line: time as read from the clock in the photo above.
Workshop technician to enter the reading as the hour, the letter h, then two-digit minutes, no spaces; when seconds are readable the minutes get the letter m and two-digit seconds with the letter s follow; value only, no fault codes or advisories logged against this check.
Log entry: 2h10
